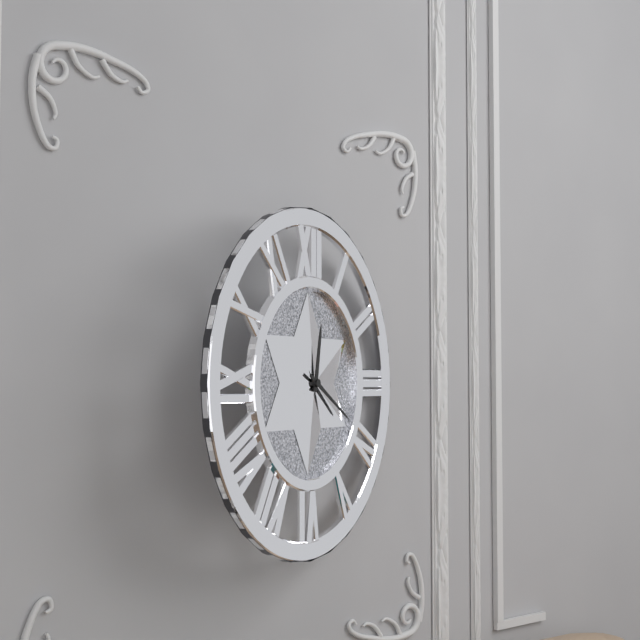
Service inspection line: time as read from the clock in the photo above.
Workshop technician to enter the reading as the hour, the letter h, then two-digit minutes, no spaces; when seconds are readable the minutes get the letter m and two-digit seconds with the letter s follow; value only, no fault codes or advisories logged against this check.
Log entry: 12h20
